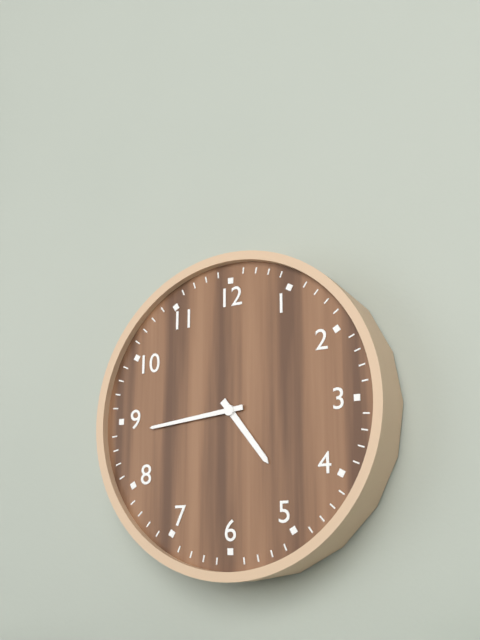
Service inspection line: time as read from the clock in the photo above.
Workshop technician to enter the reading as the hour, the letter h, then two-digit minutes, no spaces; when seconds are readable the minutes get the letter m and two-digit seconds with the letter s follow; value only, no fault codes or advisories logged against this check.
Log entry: 4h44
